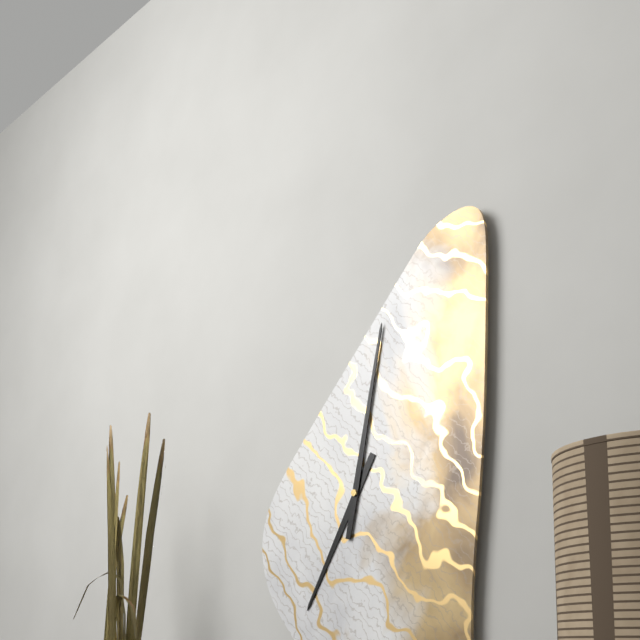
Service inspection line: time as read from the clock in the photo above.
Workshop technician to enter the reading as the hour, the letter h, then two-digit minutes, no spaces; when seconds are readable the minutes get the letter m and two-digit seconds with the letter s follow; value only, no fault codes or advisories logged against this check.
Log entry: 7h02
